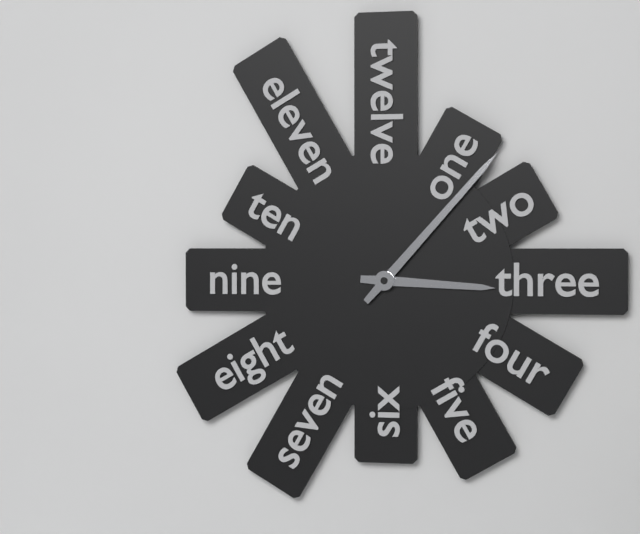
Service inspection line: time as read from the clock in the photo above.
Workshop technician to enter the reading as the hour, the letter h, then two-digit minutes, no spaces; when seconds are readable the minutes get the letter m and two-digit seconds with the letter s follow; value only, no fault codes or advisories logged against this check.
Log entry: 3h07
